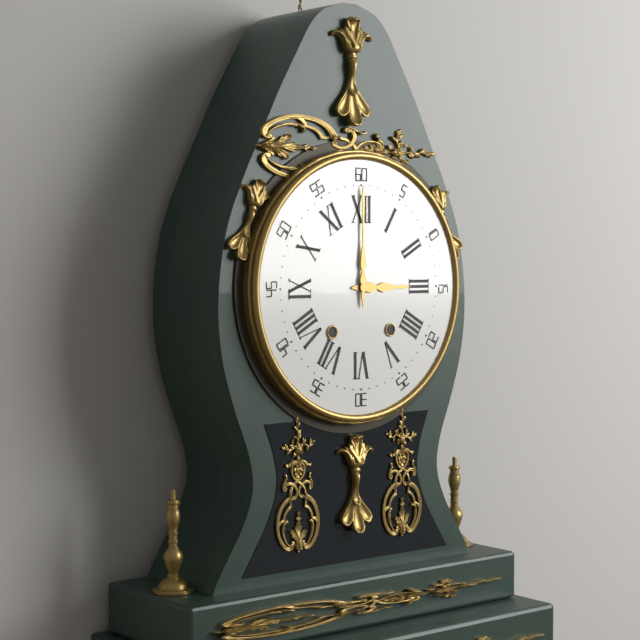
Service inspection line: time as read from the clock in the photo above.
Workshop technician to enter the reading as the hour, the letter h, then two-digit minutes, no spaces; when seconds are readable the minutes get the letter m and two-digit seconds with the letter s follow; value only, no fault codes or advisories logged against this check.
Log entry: 3h00
